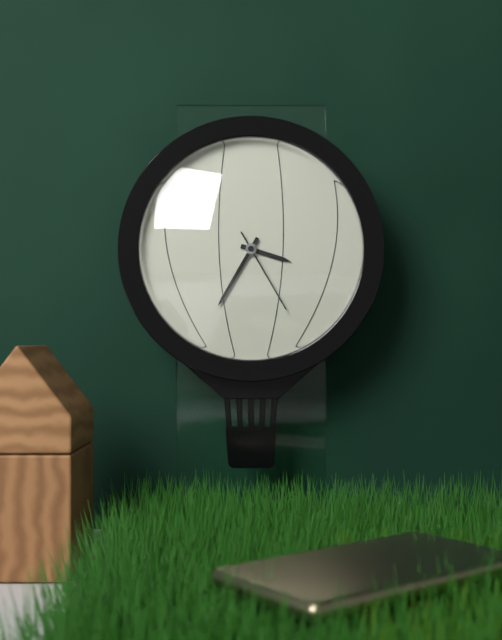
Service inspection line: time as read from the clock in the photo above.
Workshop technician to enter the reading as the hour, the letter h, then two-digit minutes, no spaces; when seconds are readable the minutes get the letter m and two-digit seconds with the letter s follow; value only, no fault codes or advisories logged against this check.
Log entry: 3h35m25s
